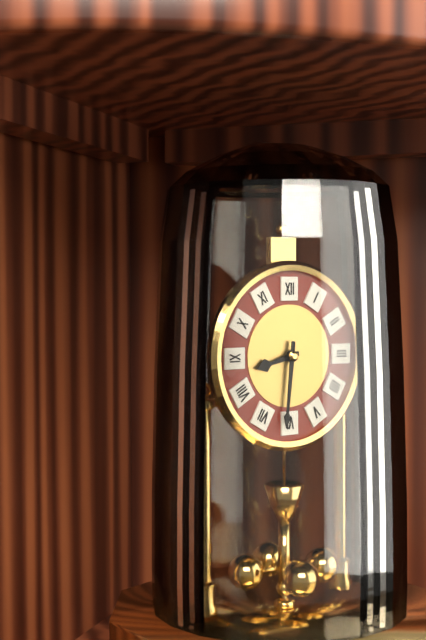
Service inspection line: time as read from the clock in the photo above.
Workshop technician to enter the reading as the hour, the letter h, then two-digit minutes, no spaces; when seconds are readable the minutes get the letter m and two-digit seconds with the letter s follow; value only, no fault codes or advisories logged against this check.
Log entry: 8h31
